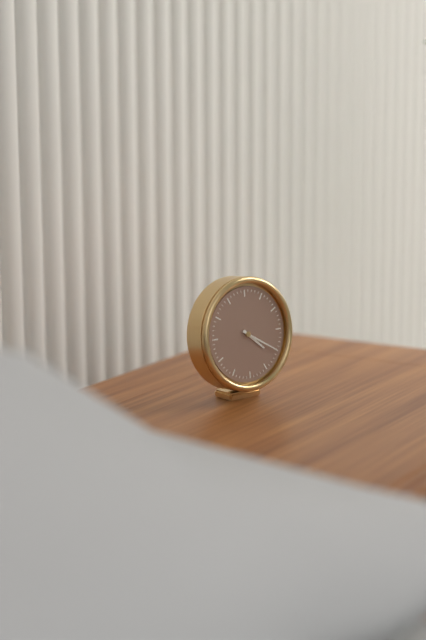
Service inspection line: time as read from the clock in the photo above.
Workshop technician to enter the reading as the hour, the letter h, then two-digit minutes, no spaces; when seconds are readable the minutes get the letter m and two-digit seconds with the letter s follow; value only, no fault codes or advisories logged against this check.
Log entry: 4h20
